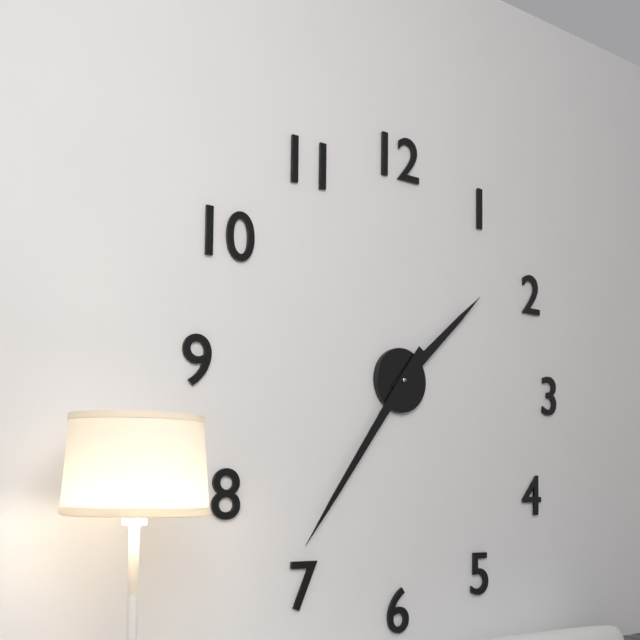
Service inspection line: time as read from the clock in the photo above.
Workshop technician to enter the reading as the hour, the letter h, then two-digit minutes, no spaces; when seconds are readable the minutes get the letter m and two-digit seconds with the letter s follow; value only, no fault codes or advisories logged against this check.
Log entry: 1h36
